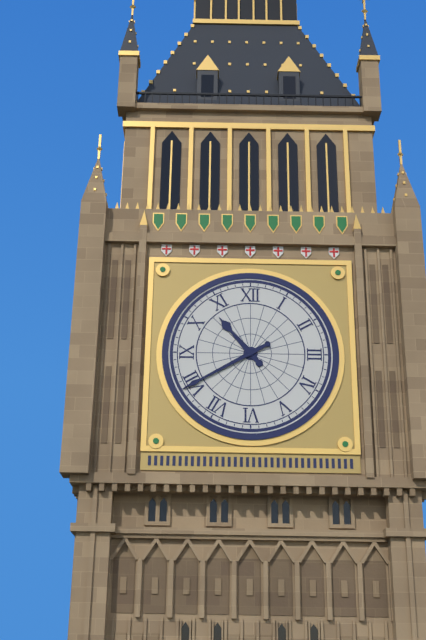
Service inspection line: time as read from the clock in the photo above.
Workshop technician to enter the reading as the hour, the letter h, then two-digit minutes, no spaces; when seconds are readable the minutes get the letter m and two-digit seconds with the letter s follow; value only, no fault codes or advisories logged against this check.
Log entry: 10h40
